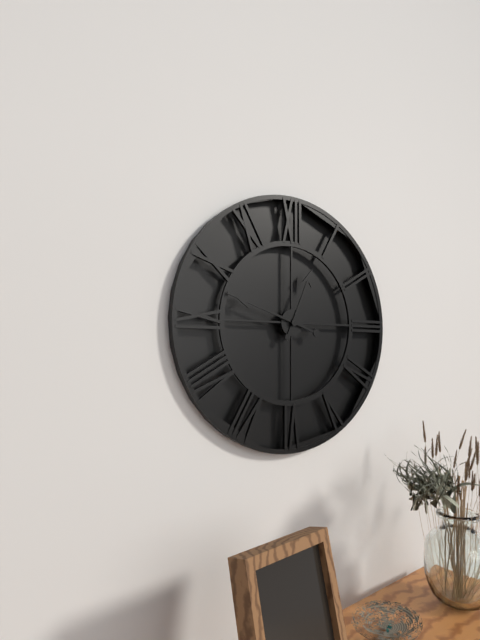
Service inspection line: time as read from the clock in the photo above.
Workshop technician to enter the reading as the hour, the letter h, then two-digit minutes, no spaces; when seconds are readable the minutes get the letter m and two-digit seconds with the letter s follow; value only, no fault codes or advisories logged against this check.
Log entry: 12h48
